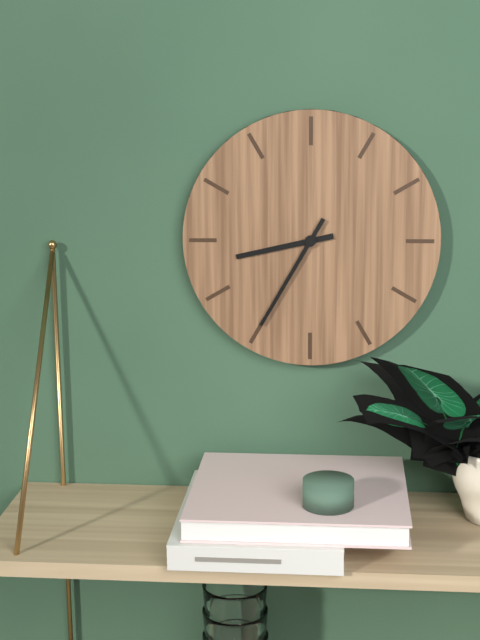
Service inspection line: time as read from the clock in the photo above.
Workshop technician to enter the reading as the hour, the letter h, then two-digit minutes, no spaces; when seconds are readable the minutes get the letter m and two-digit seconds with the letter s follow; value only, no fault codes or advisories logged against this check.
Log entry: 8h35
